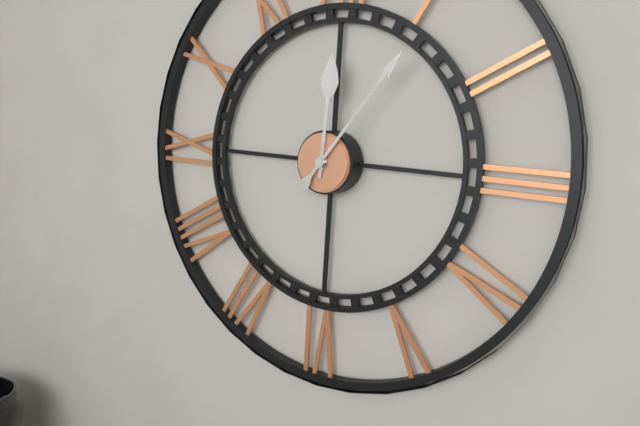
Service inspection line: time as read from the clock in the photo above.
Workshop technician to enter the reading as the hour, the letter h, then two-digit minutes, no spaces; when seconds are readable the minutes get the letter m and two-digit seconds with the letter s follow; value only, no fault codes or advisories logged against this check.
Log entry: 12h06
